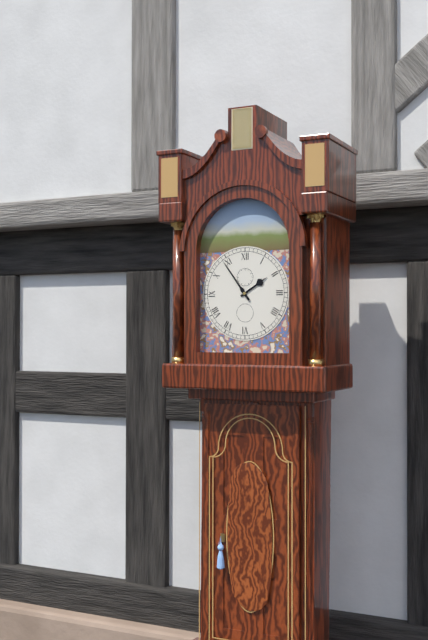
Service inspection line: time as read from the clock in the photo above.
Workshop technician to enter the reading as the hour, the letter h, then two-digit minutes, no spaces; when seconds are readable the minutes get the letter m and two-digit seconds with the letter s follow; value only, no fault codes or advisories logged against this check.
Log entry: 1h54
